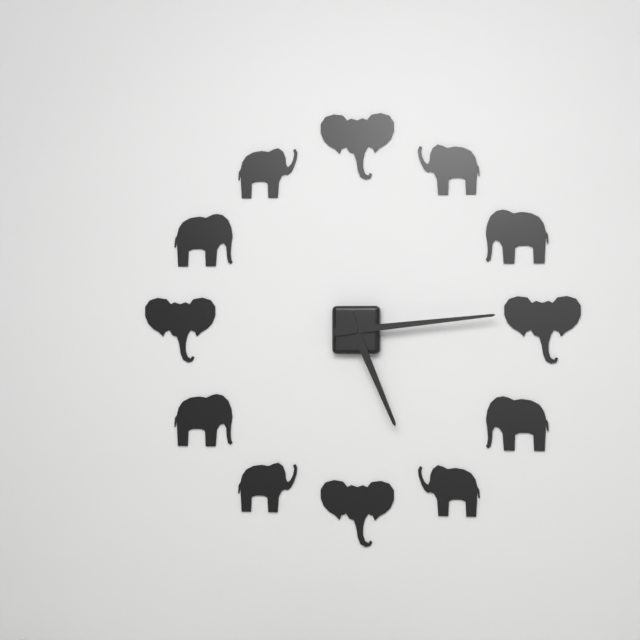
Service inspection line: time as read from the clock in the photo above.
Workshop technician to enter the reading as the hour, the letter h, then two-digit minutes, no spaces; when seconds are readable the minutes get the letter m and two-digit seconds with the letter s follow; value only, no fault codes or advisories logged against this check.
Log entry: 5h14
